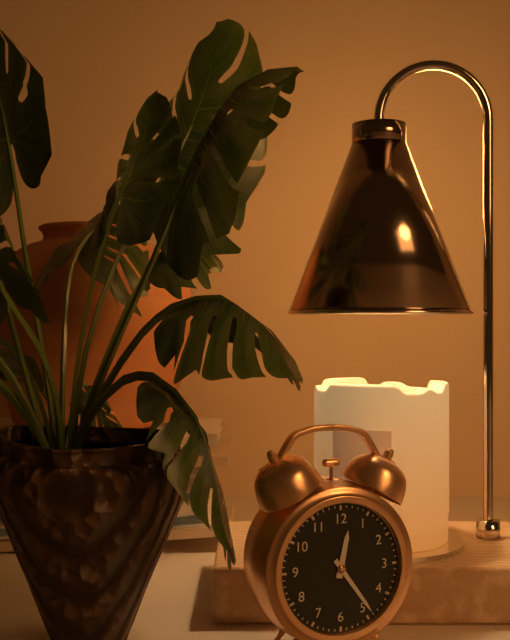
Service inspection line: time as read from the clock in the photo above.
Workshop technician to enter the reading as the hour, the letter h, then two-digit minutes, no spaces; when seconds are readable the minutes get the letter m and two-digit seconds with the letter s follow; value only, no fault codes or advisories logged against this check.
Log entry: 12h24
